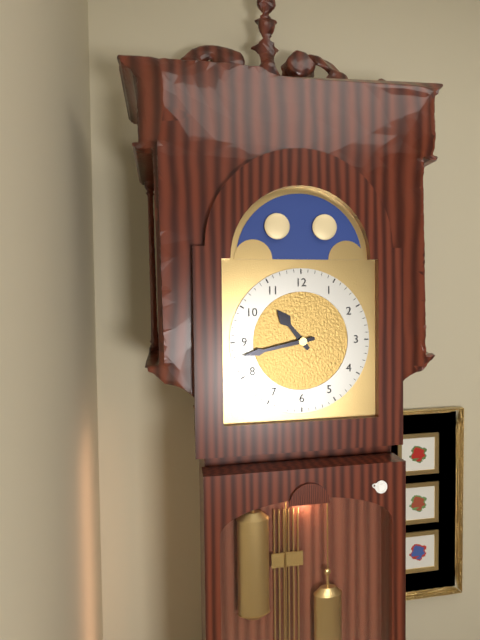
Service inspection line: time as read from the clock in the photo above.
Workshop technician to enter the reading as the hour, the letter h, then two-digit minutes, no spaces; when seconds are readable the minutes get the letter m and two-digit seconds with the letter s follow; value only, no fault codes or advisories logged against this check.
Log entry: 10h43
